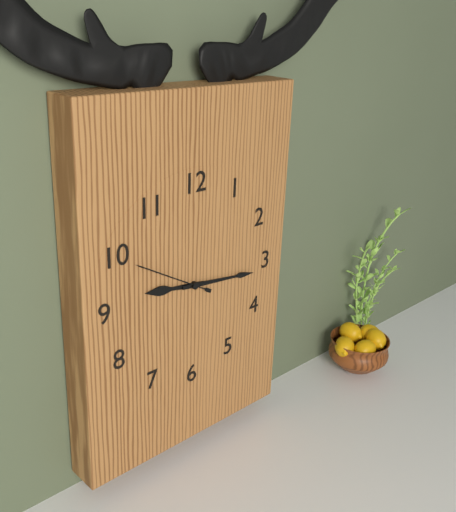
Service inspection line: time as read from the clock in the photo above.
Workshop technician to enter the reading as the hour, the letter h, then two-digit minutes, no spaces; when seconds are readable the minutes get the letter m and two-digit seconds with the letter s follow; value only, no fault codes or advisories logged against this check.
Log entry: 9h16
